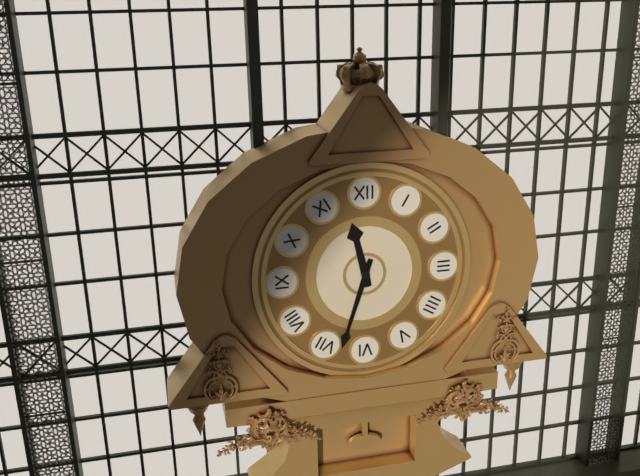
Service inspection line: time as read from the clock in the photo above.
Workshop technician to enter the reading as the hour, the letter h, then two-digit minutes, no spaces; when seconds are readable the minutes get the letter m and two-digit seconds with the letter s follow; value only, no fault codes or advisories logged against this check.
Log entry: 11h33
